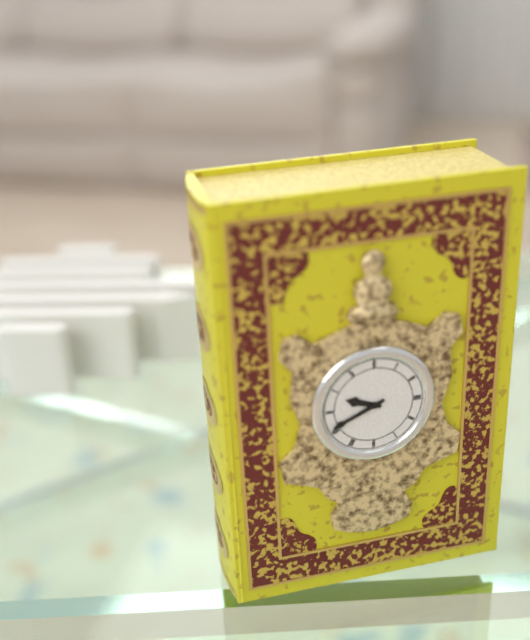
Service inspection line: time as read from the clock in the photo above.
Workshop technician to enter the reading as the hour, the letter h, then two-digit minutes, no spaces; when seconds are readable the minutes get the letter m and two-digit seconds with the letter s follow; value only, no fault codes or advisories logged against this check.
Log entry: 9h41
